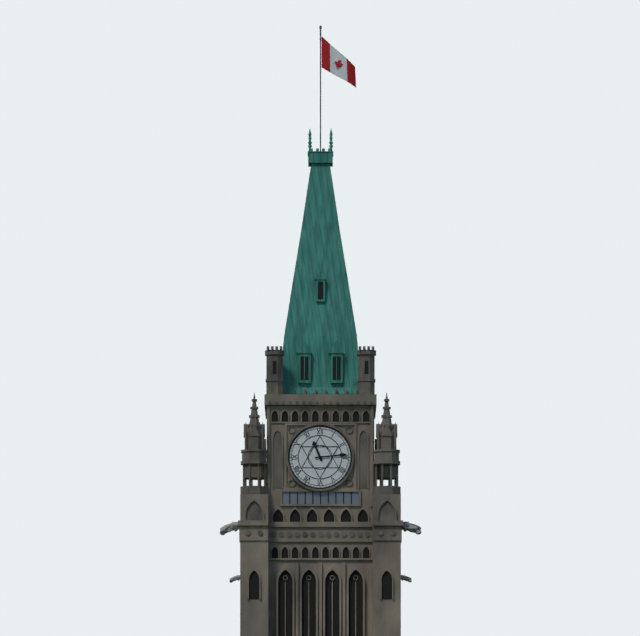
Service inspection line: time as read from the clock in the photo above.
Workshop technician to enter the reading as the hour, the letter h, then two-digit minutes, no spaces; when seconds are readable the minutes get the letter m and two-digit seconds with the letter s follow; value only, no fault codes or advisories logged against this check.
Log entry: 11h14
